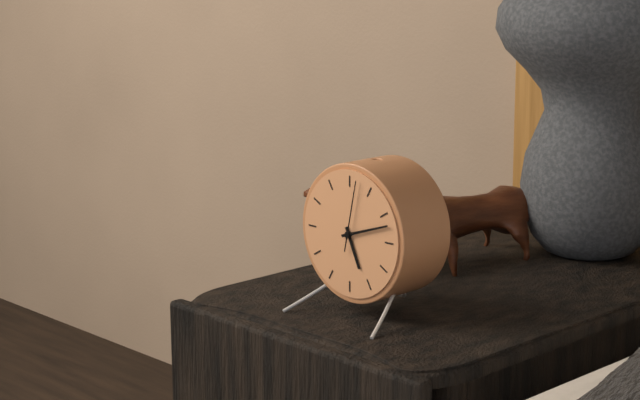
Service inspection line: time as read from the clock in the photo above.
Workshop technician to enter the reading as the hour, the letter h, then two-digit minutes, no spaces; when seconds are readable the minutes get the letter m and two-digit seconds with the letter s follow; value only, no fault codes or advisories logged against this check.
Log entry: 5h12m02s
